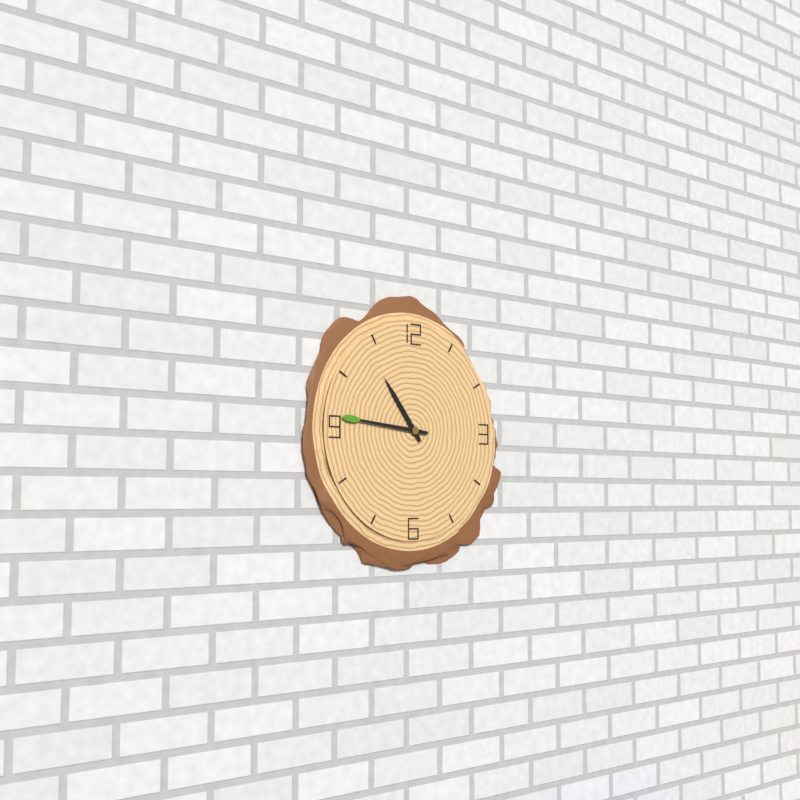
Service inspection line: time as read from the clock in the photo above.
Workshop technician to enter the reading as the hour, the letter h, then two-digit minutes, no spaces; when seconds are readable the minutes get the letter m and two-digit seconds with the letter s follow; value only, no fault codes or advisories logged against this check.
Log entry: 10h46
